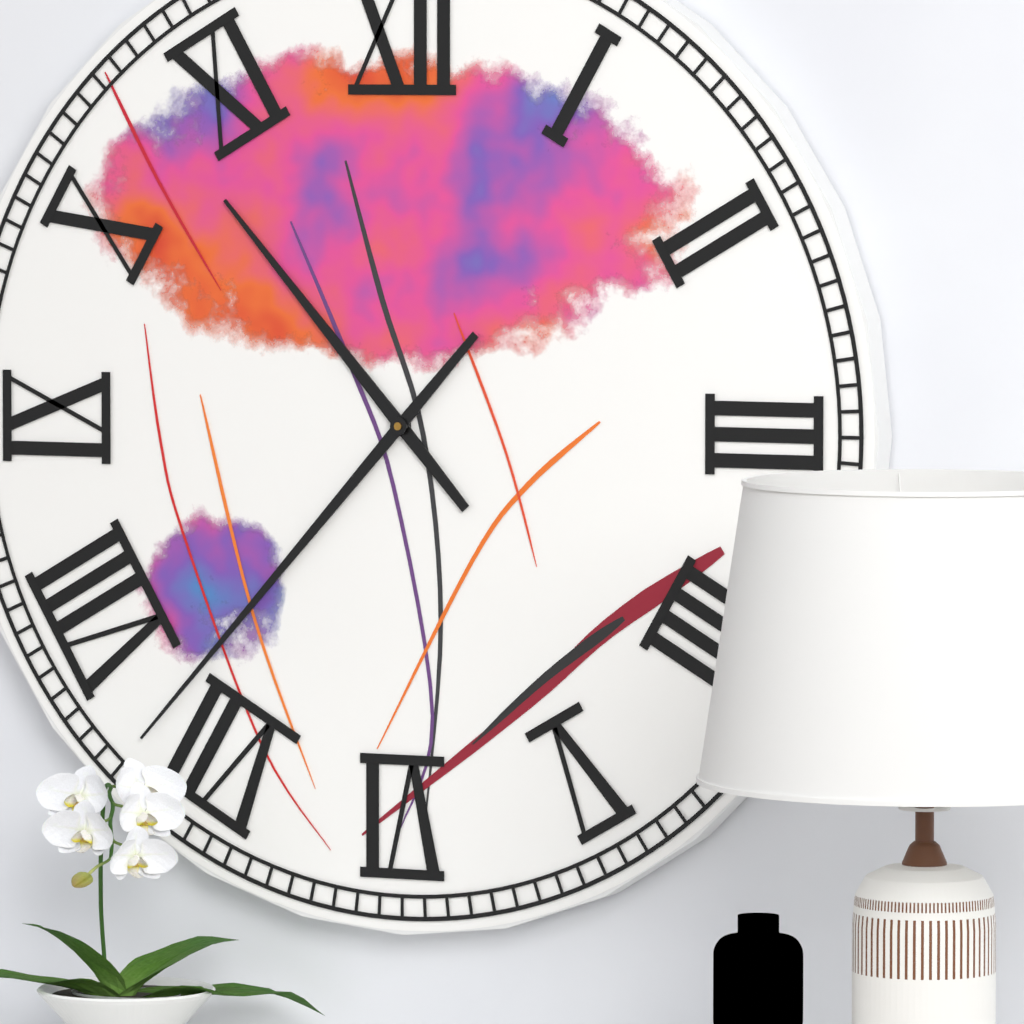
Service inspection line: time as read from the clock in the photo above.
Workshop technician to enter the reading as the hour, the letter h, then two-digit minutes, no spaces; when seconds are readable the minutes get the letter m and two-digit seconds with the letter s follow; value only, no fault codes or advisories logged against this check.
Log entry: 10h37
